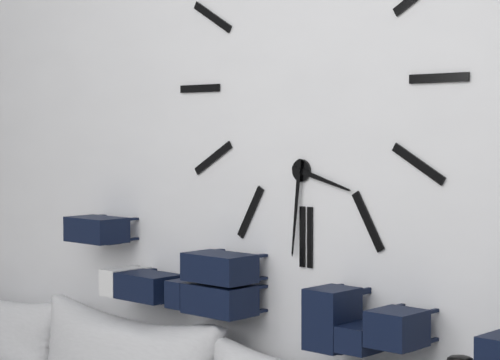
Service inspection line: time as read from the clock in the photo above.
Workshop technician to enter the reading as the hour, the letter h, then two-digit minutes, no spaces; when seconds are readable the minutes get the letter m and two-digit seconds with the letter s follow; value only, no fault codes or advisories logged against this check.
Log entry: 3h31
